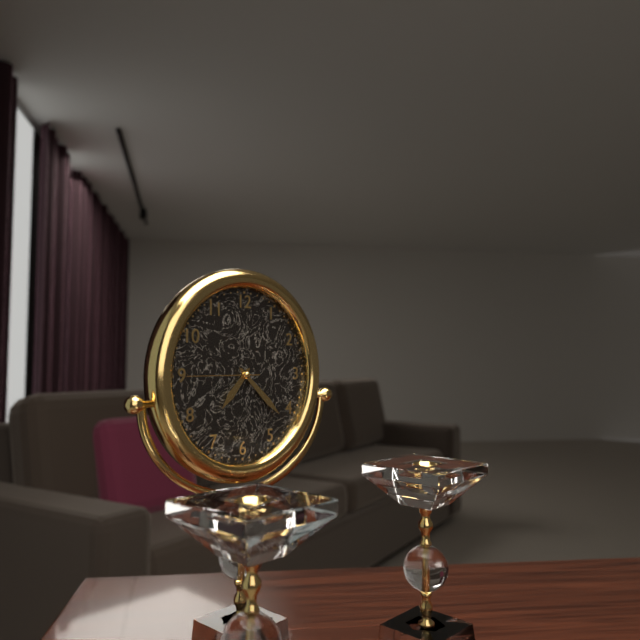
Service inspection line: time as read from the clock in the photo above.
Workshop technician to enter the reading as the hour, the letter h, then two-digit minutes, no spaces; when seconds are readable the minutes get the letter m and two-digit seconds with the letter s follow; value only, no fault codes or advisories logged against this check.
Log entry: 7h22m45s
